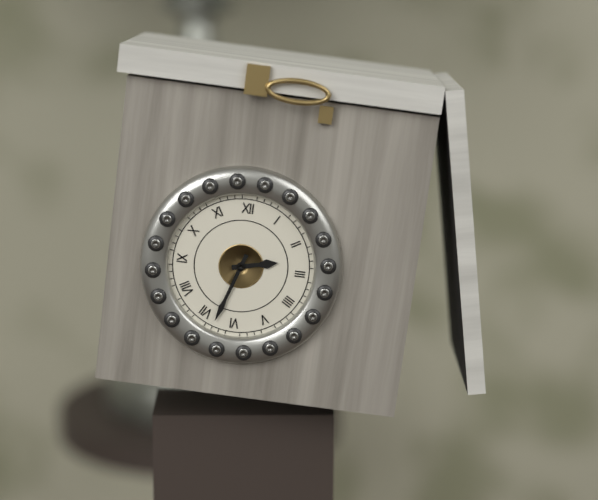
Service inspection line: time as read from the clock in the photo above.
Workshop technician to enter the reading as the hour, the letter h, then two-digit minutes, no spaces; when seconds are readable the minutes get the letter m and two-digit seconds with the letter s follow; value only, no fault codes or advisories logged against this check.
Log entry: 2h33
